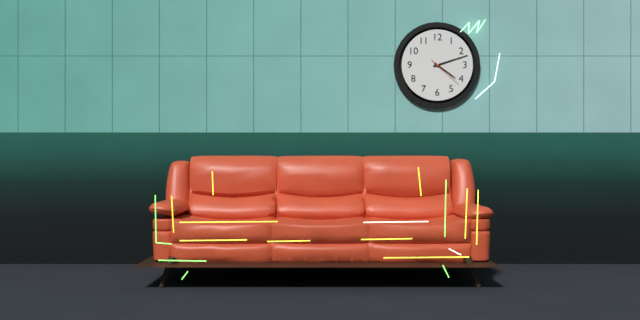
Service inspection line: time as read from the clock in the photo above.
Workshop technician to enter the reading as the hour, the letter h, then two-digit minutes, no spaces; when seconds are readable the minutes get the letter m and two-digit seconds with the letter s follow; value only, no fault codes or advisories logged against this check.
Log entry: 4h12
